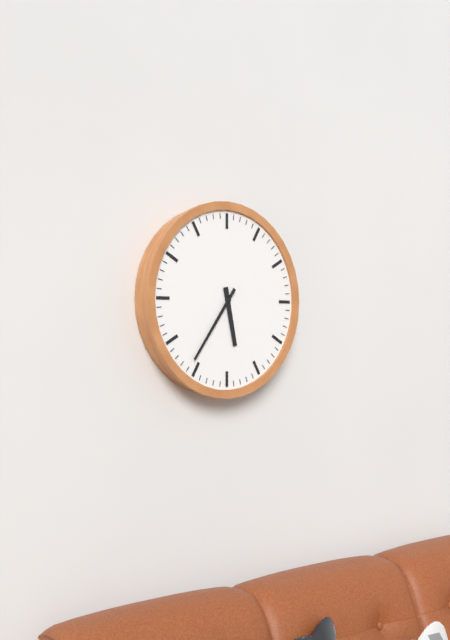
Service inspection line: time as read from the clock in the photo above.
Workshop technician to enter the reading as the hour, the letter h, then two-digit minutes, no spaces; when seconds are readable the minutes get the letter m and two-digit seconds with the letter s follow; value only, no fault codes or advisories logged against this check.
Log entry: 5h36
